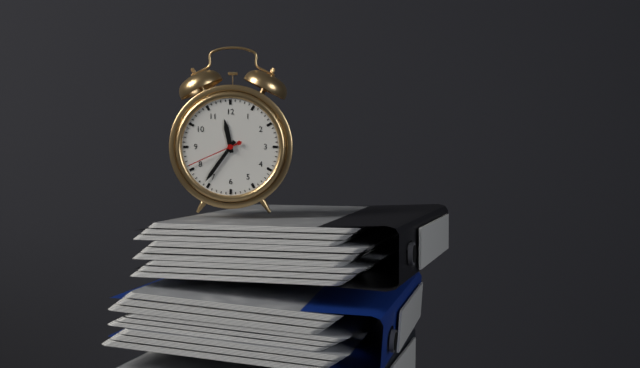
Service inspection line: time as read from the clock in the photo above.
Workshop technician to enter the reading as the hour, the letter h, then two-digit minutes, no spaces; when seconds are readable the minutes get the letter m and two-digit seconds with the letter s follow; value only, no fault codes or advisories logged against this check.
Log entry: 11h36m41s
